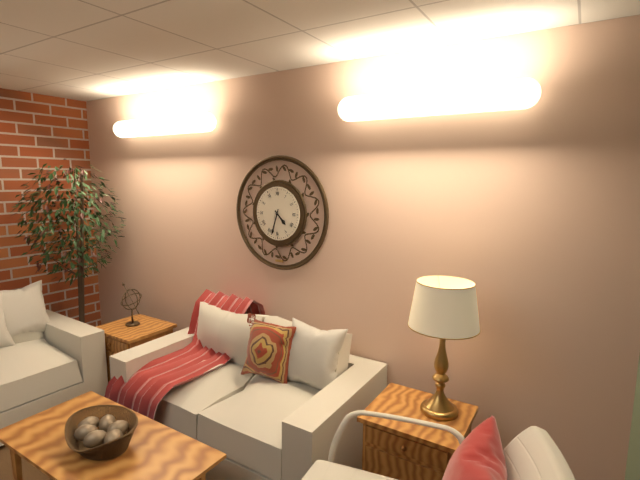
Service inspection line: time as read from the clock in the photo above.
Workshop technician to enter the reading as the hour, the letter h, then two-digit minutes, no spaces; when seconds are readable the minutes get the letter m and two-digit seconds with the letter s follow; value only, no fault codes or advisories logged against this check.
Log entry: 4h33
